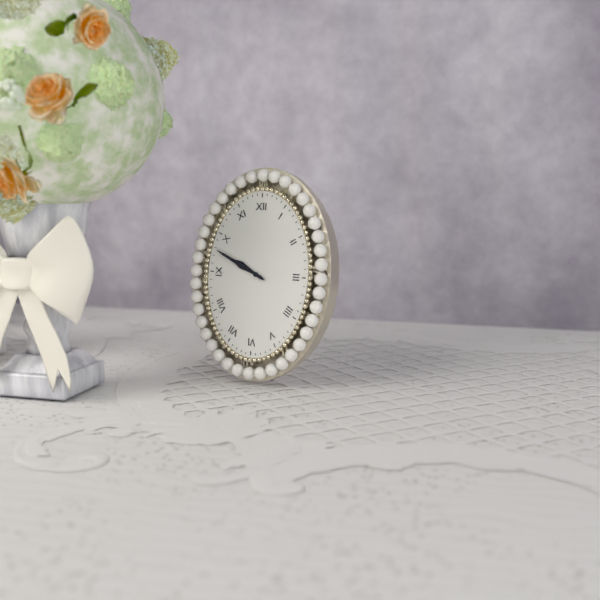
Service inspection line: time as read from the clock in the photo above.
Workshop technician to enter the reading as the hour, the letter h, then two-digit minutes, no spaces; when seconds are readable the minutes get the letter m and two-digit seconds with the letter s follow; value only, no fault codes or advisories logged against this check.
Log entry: 9h49
